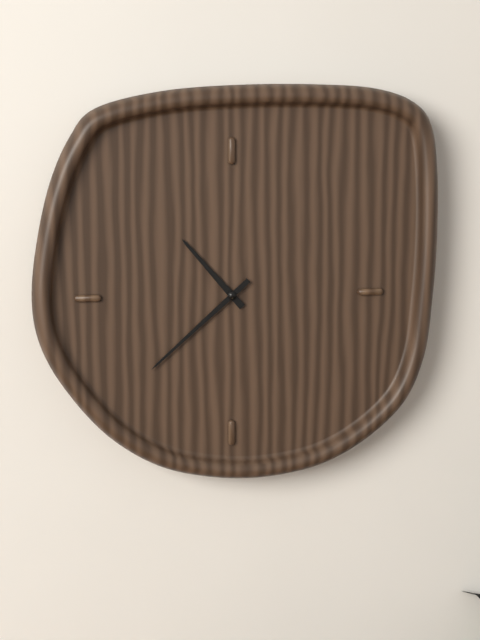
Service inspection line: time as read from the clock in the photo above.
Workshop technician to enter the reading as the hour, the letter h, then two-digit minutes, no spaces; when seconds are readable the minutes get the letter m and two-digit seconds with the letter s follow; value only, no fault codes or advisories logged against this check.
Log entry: 10h38
